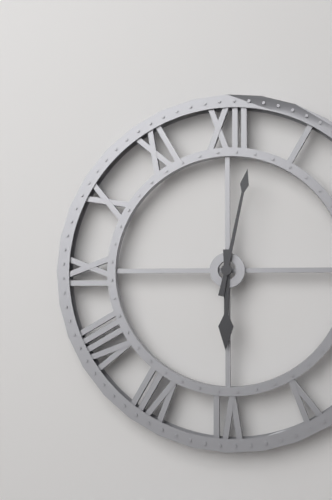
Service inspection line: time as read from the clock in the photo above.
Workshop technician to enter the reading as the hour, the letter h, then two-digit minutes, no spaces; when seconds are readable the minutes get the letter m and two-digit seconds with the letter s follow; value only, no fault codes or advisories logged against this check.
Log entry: 6h02
